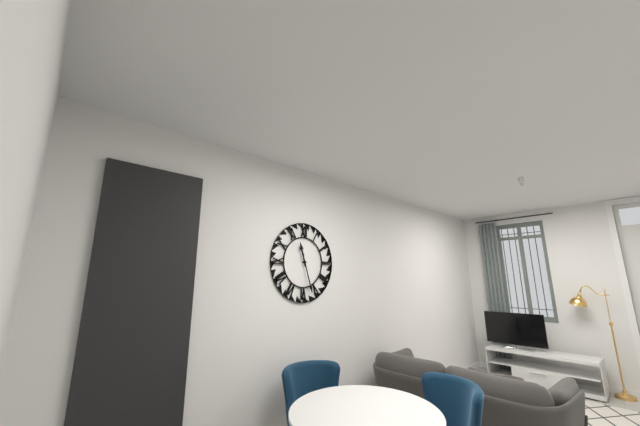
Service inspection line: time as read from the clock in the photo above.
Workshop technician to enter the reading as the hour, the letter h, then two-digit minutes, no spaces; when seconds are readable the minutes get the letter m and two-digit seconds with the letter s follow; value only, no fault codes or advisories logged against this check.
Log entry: 11h27
